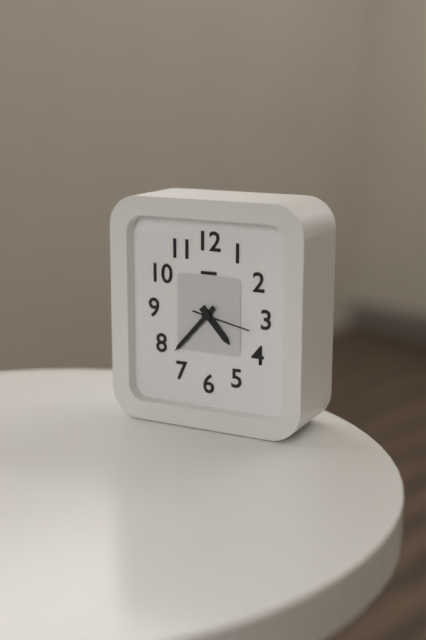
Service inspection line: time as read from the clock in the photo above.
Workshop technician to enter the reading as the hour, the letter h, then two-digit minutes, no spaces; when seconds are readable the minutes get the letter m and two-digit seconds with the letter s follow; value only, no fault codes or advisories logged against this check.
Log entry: 4h37m17s
